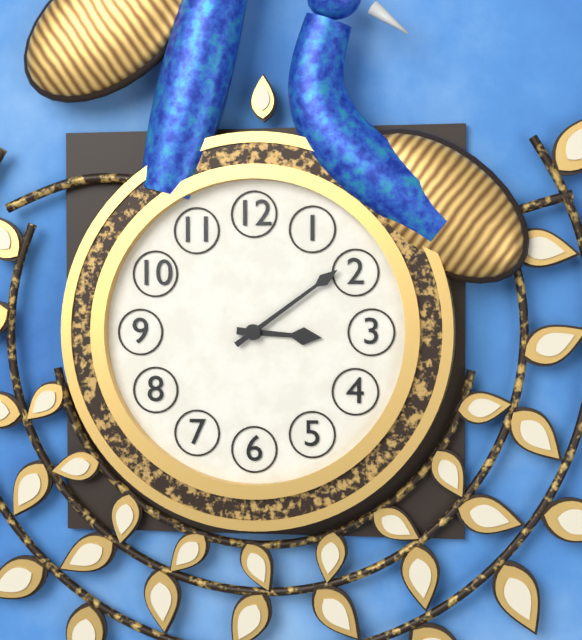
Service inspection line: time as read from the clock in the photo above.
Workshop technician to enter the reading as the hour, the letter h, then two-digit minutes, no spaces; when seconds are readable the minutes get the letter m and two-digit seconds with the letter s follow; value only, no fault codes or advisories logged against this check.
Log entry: 3h09
